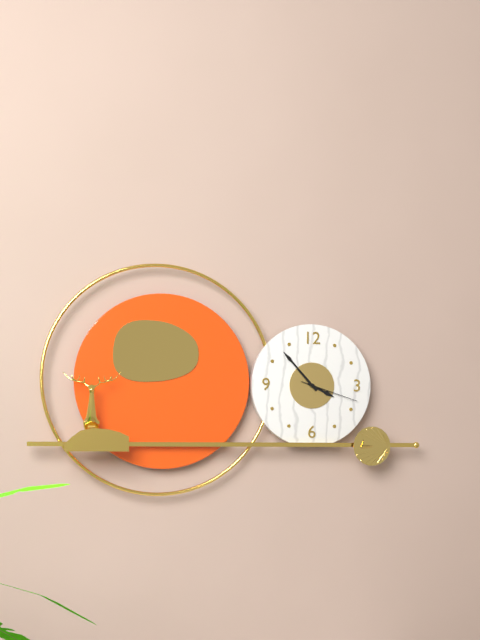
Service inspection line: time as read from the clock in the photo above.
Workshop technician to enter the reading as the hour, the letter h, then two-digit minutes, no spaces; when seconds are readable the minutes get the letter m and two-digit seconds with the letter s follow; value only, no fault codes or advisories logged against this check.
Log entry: 3h53m18s
